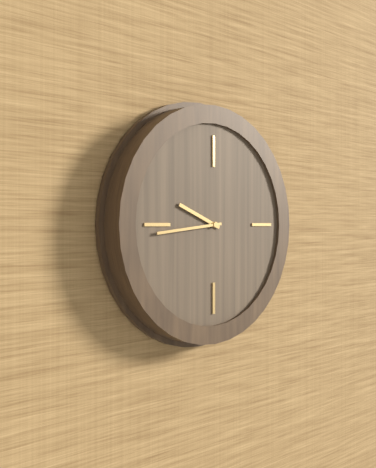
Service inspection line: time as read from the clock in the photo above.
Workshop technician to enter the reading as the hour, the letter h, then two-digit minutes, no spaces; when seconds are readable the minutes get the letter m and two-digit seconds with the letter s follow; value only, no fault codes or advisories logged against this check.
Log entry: 9h44
